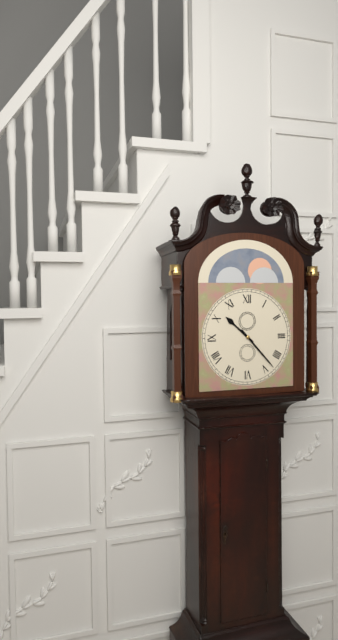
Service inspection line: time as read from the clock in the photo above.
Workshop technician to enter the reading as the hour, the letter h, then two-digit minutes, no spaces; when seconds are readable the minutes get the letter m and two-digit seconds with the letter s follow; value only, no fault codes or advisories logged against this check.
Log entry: 10h23
